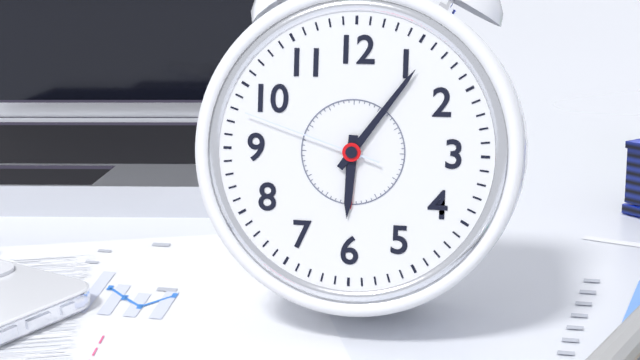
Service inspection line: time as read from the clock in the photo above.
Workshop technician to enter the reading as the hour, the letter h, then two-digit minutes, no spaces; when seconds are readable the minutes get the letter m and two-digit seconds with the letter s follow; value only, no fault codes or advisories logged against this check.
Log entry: 6h06m48s
